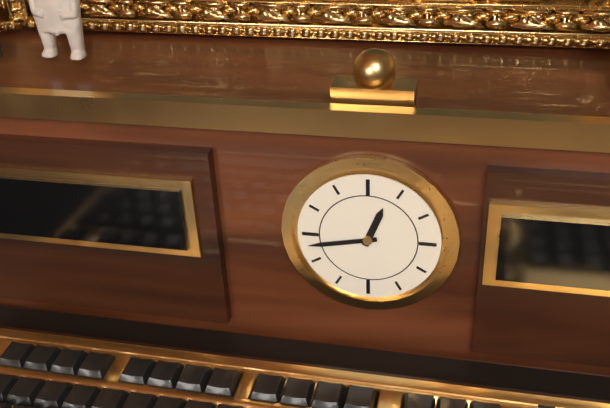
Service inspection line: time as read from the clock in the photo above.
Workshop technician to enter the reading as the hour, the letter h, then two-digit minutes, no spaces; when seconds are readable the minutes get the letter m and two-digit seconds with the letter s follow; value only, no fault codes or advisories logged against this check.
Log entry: 12h43
